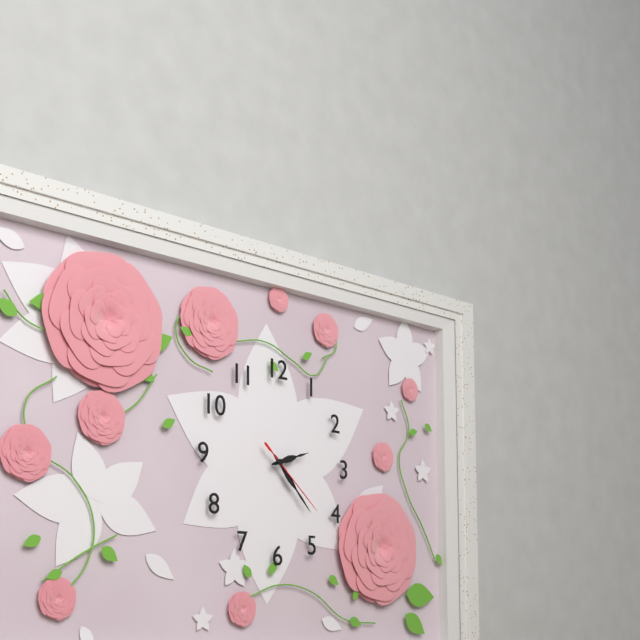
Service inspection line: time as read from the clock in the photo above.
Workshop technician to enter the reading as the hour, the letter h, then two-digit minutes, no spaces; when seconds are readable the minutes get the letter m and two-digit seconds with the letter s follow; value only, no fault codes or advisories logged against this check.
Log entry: 2h23m22s
